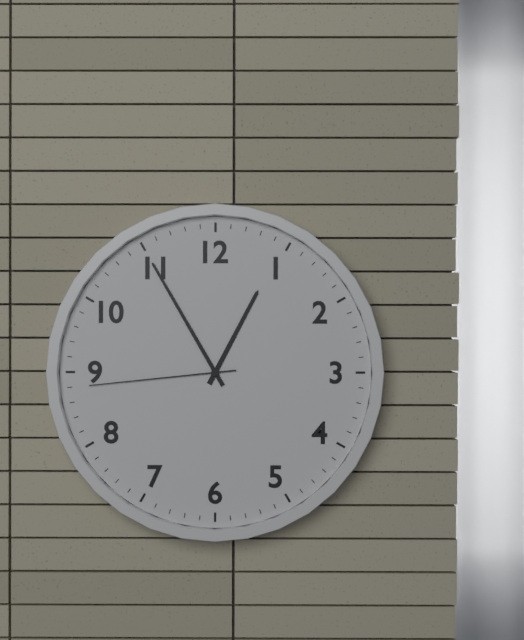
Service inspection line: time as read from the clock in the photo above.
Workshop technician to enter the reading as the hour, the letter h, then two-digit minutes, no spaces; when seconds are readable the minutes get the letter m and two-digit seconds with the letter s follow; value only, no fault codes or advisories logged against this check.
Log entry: 12h55m44s
